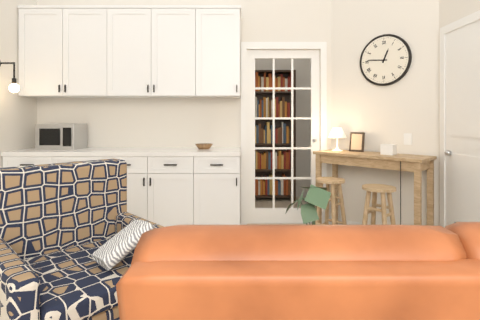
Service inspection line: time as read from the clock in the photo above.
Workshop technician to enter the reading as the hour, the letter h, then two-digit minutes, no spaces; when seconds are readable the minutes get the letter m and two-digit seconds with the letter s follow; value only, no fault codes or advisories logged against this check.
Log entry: 12h46
